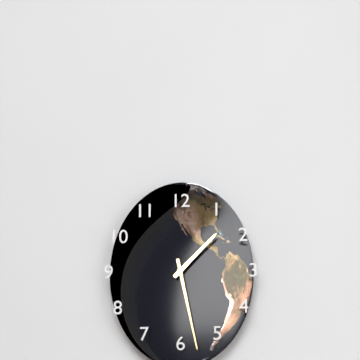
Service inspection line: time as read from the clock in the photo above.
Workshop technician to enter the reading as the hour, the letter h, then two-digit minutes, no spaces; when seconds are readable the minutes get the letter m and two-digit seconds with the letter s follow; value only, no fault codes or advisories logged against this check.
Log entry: 1h28
